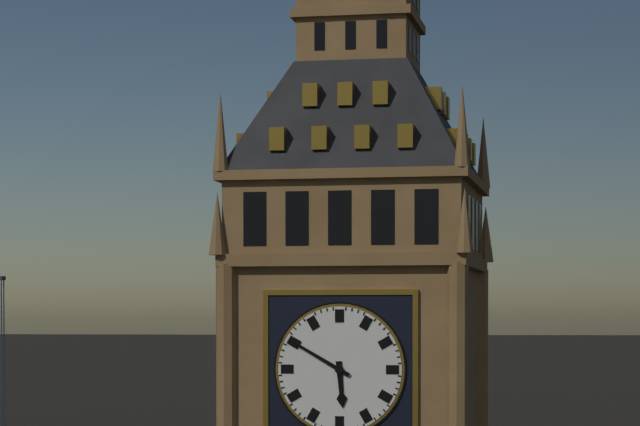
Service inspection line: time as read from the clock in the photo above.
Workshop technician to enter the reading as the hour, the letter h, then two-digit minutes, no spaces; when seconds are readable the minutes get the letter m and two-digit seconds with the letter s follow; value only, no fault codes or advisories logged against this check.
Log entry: 5h50
